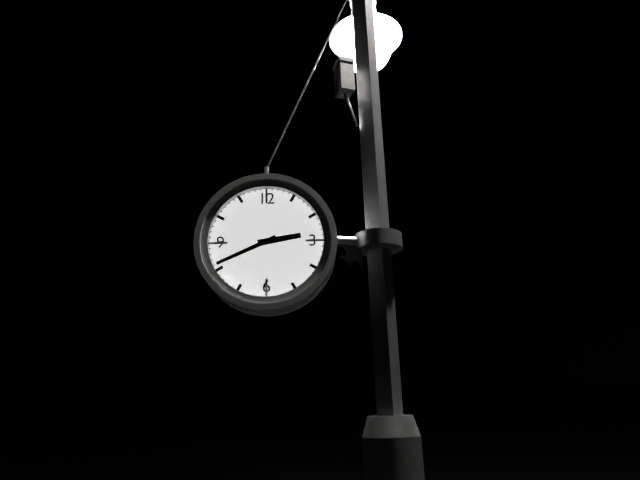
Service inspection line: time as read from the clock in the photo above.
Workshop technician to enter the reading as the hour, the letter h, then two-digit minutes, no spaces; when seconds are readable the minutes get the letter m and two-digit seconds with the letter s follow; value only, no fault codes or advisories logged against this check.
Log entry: 2h41
